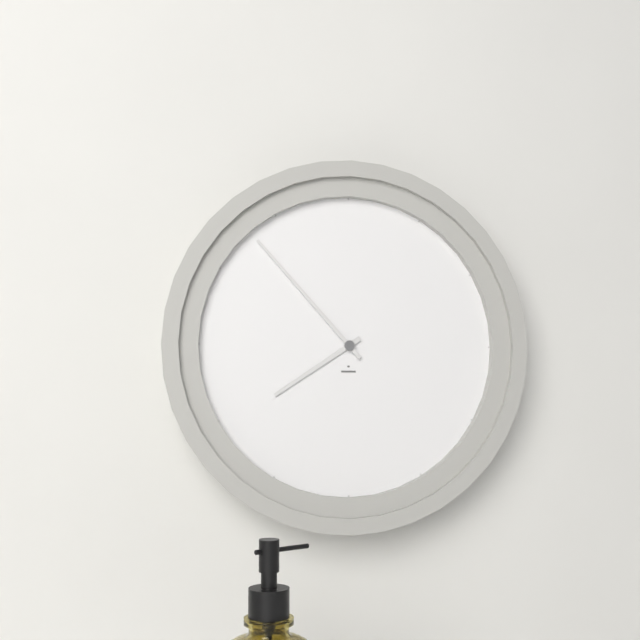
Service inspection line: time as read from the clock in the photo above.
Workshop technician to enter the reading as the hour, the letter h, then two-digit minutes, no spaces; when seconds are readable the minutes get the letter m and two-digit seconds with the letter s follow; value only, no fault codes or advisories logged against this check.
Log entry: 7h53
